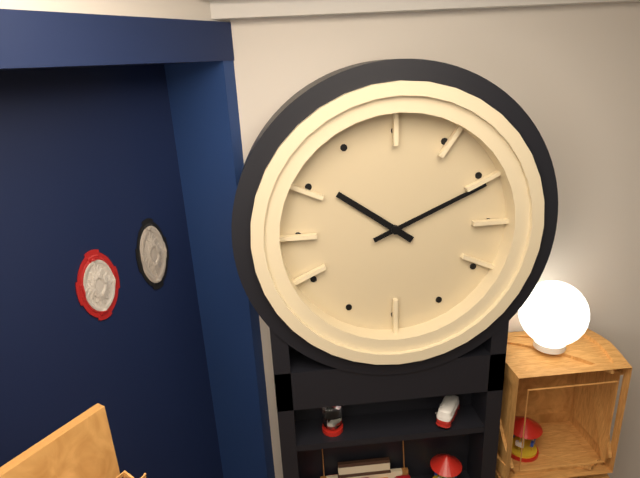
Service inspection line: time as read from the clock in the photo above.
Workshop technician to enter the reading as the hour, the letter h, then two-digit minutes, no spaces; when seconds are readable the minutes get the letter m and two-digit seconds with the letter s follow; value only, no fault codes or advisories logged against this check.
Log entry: 10h11
